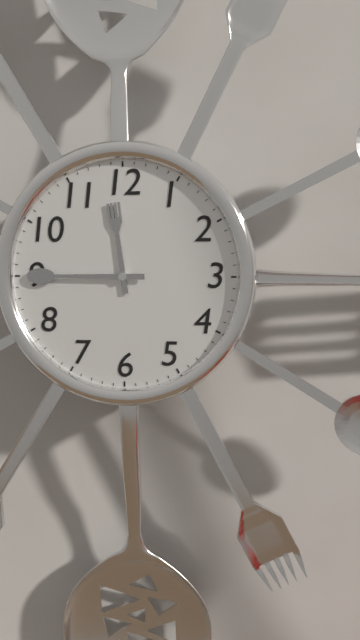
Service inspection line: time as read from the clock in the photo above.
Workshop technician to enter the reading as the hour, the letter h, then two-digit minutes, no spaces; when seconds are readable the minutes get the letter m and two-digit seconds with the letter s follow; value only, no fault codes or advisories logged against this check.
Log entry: 11h45
